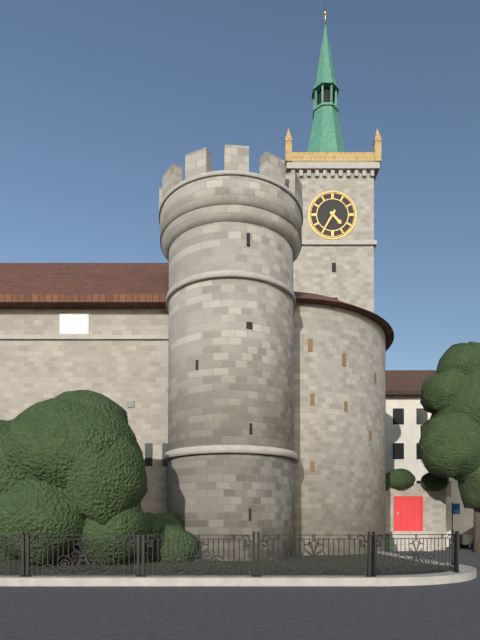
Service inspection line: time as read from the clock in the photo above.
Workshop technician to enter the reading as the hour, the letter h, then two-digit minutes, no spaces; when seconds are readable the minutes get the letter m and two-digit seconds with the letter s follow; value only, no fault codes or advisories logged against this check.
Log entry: 4h35
